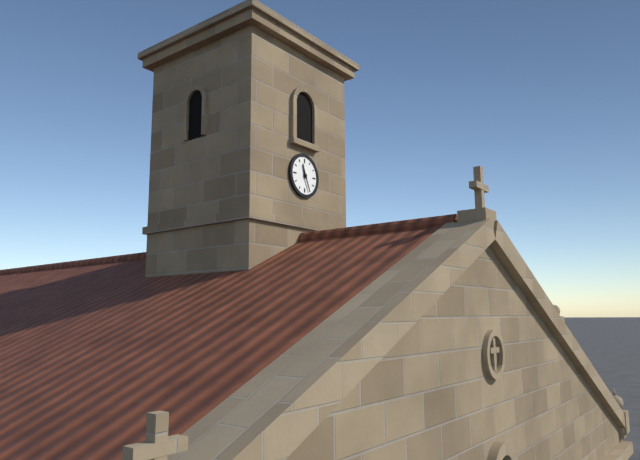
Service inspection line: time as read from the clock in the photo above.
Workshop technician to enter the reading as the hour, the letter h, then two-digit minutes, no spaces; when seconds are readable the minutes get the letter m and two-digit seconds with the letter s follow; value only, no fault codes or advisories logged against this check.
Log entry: 11h26
